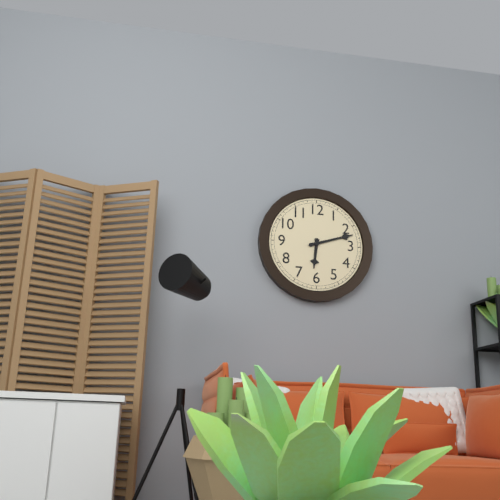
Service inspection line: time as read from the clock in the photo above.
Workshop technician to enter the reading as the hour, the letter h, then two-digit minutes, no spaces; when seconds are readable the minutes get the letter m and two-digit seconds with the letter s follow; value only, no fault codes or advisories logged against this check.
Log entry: 6h12
